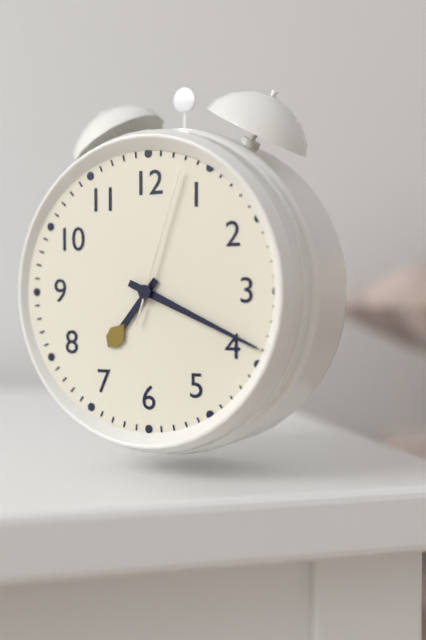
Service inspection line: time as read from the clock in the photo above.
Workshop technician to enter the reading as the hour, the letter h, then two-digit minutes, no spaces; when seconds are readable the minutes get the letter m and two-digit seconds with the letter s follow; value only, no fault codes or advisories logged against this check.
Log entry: 7h19m03s
